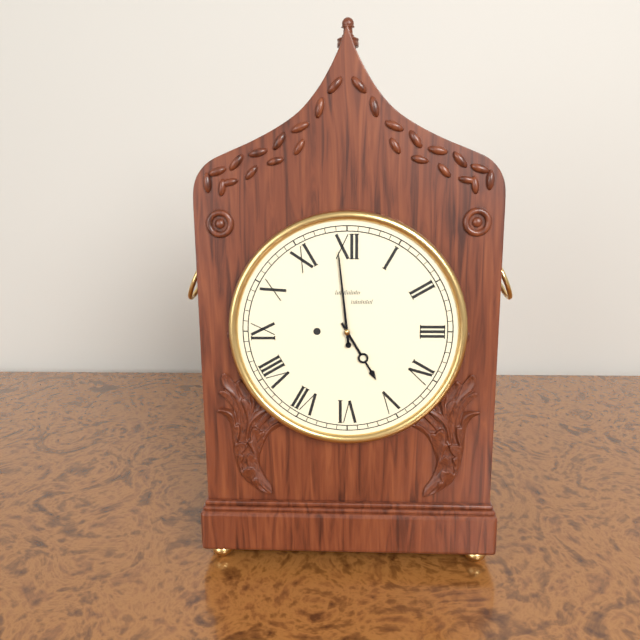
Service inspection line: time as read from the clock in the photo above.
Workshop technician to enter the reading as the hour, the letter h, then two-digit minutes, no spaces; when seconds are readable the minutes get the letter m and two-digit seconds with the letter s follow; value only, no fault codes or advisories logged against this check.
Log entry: 4h59
